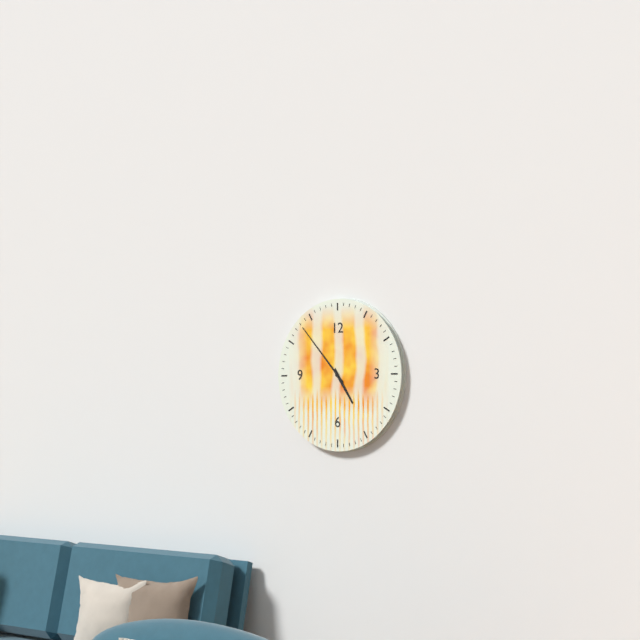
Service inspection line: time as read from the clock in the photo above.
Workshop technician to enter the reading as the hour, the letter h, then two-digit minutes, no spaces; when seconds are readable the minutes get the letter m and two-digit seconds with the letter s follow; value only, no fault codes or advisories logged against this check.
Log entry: 4h53
